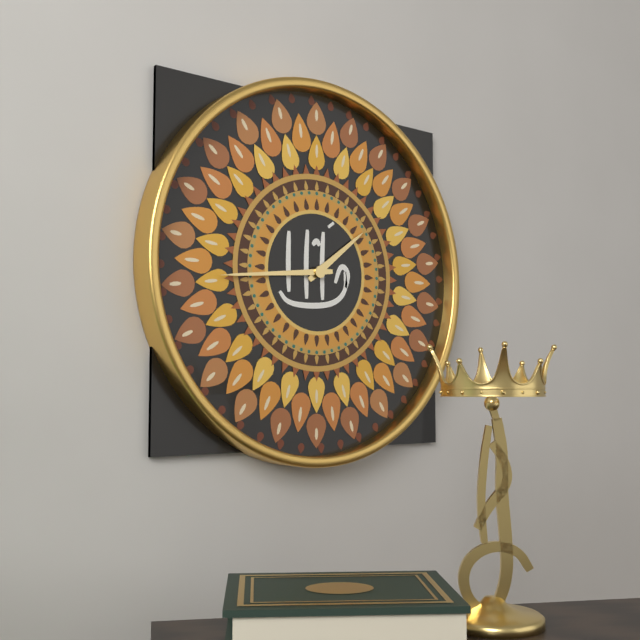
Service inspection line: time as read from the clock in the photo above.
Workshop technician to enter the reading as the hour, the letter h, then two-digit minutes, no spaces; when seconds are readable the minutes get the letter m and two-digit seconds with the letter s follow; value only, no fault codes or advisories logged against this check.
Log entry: 1h44
